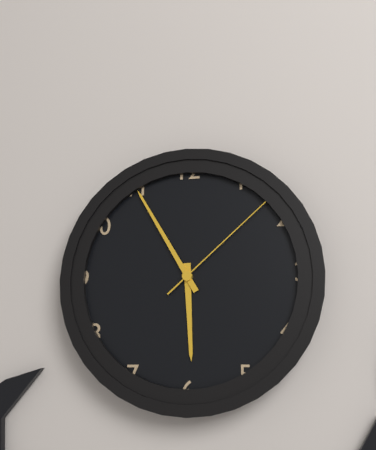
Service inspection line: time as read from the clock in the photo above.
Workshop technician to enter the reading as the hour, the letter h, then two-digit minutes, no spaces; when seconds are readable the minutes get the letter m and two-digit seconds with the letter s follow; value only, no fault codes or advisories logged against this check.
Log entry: 5h55m08s
